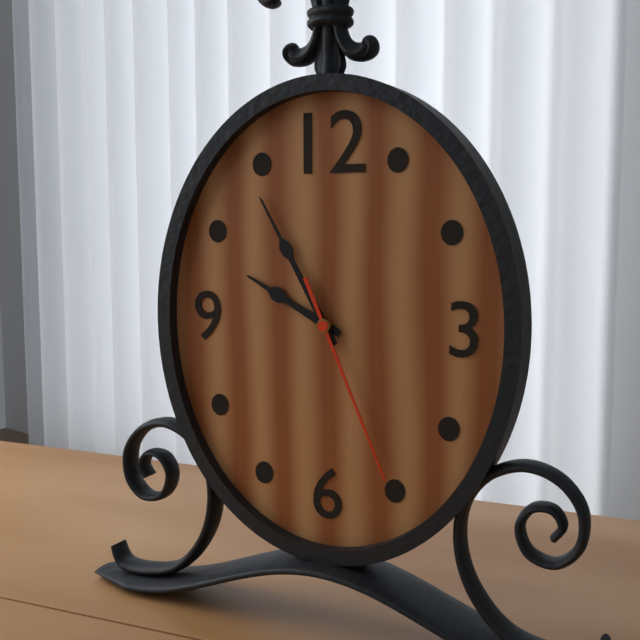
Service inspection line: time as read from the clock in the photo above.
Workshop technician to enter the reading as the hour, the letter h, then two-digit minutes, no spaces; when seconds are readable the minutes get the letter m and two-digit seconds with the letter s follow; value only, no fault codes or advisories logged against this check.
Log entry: 9h55m26s
